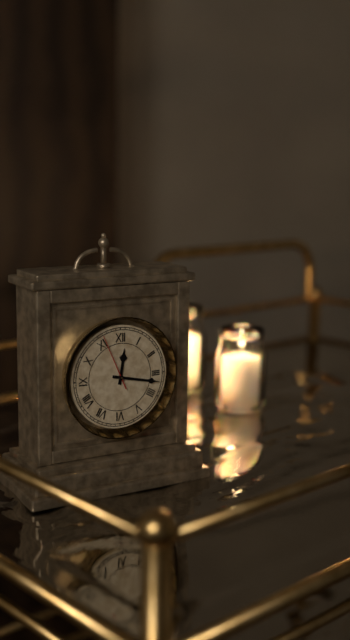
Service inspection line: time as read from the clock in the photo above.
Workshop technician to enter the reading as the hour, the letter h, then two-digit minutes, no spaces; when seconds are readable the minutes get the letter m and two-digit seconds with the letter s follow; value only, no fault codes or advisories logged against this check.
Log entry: 12h17m56s
